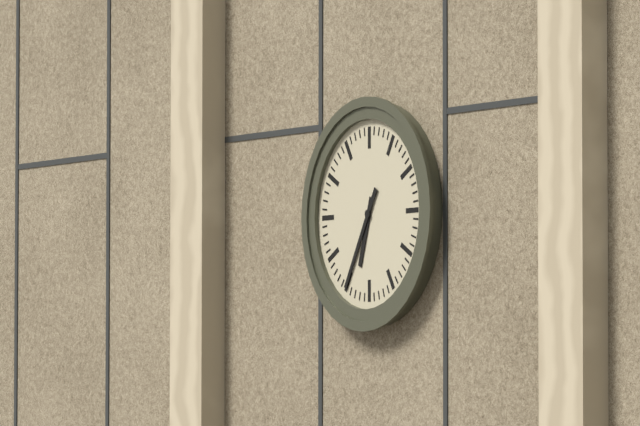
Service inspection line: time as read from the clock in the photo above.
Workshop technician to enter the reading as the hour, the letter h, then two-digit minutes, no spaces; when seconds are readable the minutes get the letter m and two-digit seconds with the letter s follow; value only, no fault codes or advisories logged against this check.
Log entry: 6h35
